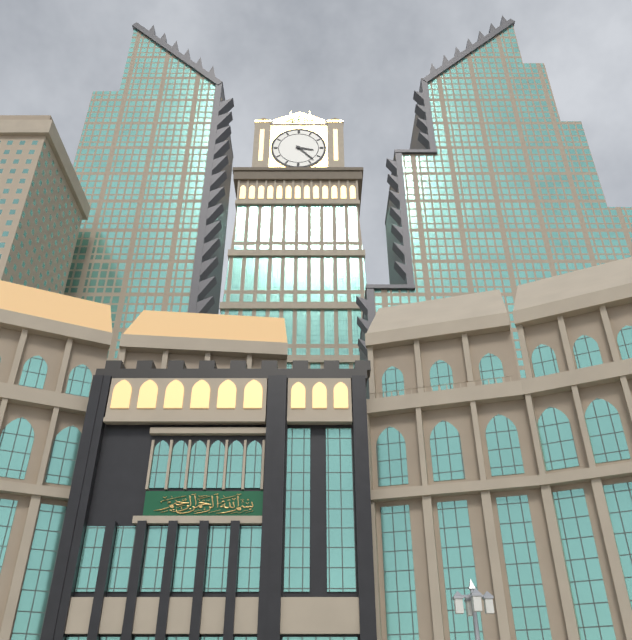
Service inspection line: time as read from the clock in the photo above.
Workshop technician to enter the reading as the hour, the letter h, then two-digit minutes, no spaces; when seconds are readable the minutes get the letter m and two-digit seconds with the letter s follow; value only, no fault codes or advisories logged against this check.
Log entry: 3h23
